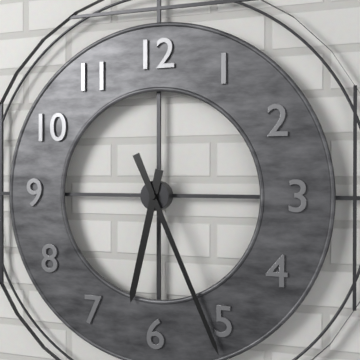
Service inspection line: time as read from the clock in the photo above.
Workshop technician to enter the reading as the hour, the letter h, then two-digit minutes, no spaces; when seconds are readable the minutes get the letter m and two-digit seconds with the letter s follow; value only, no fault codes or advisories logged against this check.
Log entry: 6h26
